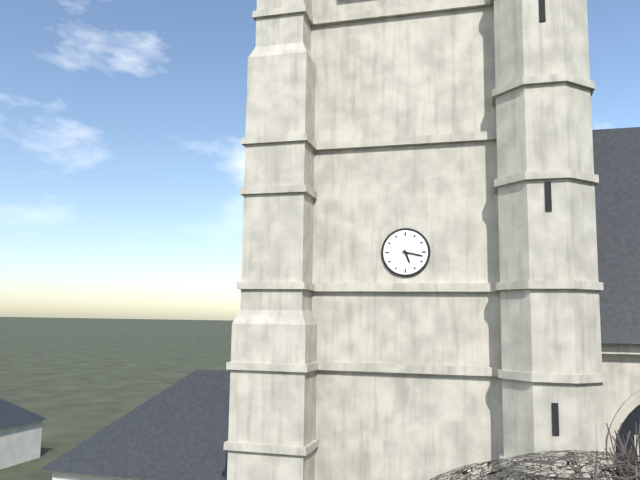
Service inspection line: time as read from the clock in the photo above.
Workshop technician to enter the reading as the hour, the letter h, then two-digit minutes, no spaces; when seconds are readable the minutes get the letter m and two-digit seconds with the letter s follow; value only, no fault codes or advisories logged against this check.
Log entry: 5h17
